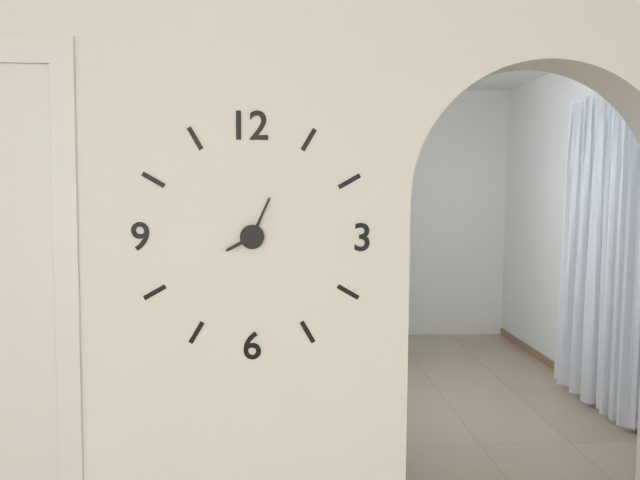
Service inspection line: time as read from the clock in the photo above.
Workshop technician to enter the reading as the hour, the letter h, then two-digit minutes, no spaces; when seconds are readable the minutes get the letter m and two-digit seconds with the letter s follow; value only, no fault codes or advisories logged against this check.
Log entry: 8h04
